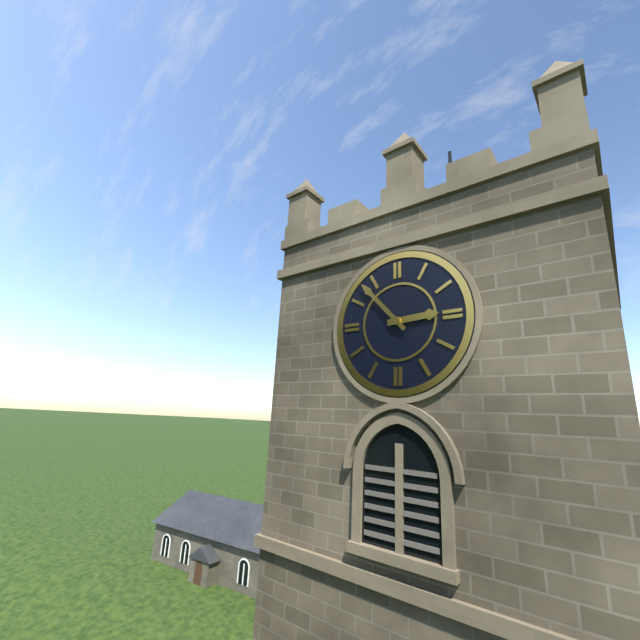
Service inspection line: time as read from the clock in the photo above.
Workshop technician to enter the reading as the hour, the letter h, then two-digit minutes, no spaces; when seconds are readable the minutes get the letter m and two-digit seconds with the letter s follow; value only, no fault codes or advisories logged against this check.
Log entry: 2h53
